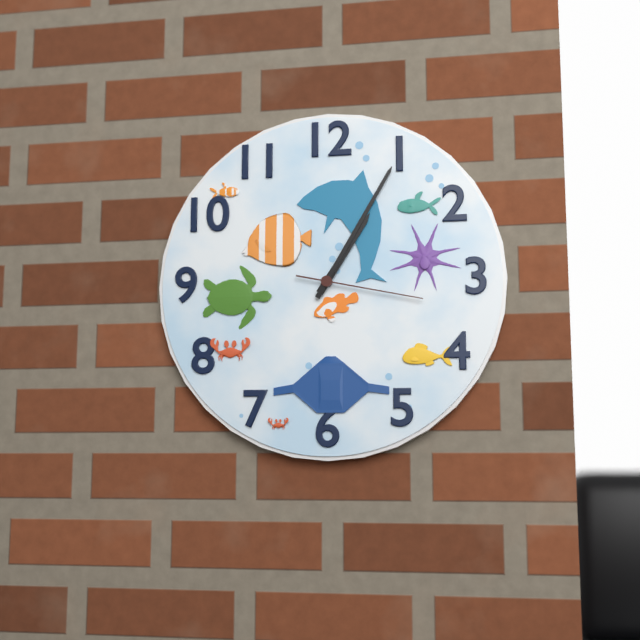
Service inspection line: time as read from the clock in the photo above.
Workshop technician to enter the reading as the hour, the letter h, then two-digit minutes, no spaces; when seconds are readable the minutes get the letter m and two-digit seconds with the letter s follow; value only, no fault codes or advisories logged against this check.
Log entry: 1h05m17s
